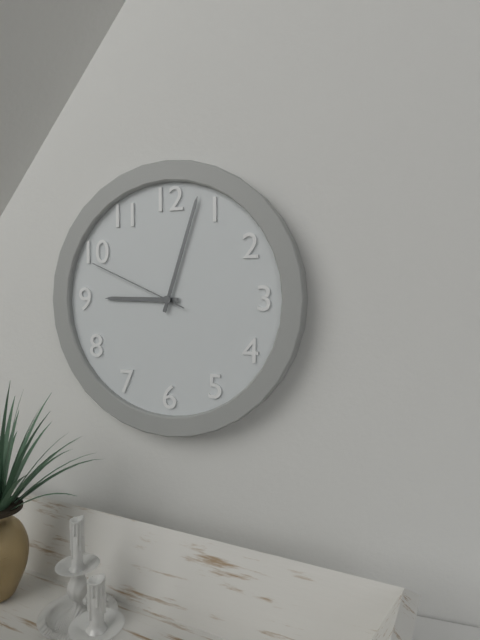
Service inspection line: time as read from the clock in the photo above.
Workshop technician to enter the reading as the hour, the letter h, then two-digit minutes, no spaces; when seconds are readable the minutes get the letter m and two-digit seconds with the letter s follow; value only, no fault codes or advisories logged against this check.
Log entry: 9h03m49s
